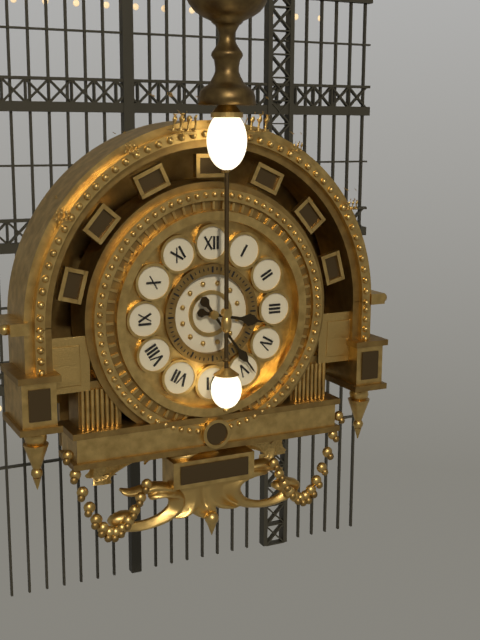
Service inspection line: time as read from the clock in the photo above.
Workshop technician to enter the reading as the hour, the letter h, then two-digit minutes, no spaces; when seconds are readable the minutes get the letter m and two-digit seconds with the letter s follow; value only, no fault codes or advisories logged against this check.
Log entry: 3h24
